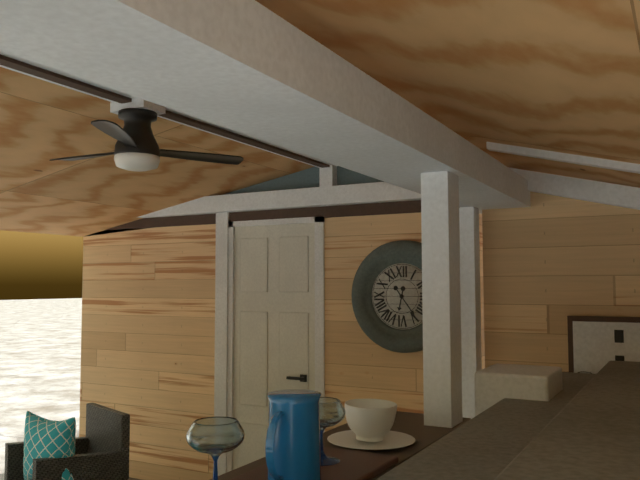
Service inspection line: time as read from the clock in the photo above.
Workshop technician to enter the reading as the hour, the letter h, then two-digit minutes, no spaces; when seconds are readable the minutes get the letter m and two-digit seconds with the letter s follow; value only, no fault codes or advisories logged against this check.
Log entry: 6h24
